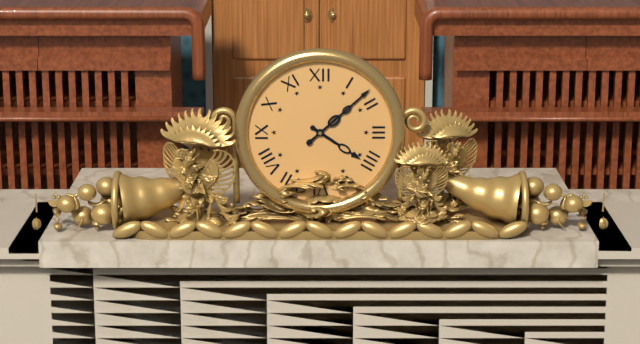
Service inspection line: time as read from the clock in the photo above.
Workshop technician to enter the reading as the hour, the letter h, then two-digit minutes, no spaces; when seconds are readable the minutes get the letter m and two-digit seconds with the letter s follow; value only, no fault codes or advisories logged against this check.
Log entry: 4h08
